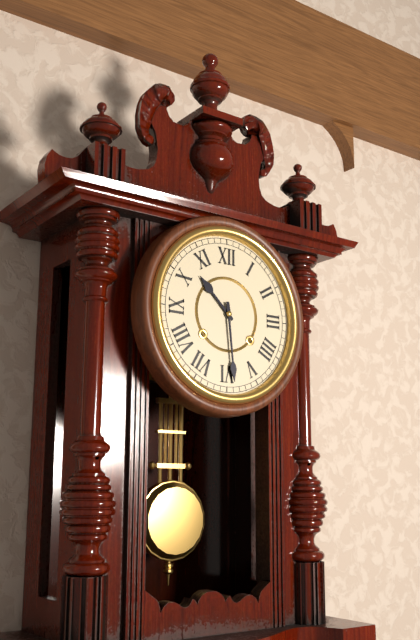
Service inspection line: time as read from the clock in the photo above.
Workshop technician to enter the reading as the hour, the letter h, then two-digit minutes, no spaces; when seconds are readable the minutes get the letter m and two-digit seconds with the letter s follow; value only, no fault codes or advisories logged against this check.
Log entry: 10h29
